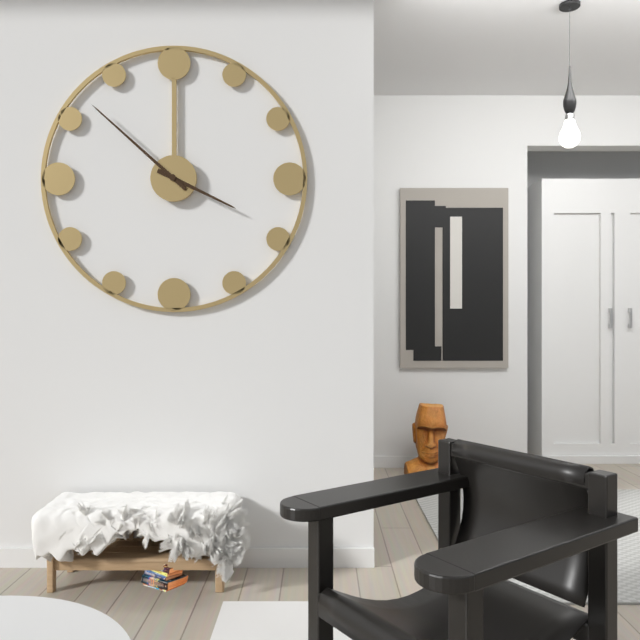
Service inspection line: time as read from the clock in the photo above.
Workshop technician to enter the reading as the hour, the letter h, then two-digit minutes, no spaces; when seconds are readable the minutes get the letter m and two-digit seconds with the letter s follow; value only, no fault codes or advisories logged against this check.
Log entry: 3h52
